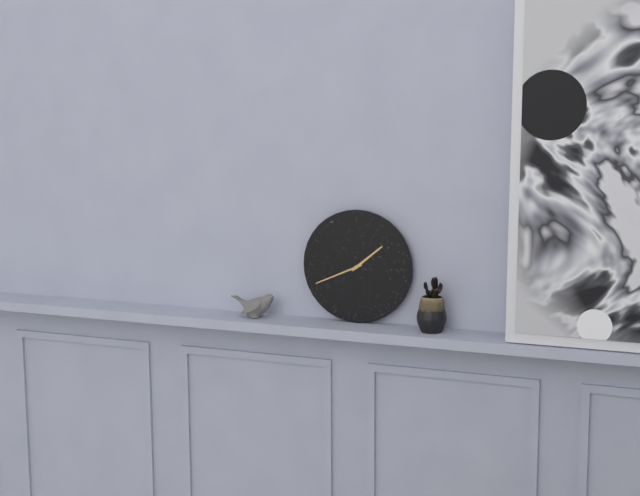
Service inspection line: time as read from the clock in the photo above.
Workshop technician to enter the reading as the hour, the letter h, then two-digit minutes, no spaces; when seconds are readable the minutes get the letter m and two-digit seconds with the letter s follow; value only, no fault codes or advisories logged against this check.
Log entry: 1h41
